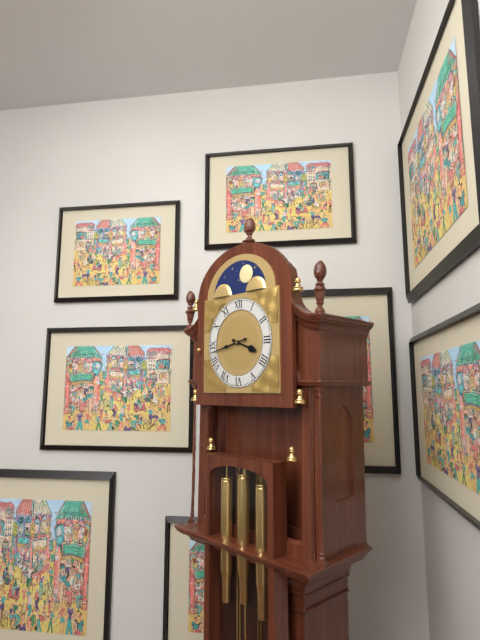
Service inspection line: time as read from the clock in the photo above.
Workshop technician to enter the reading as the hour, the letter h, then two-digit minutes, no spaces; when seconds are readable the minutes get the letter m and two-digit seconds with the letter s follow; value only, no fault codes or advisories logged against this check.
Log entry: 3h43
